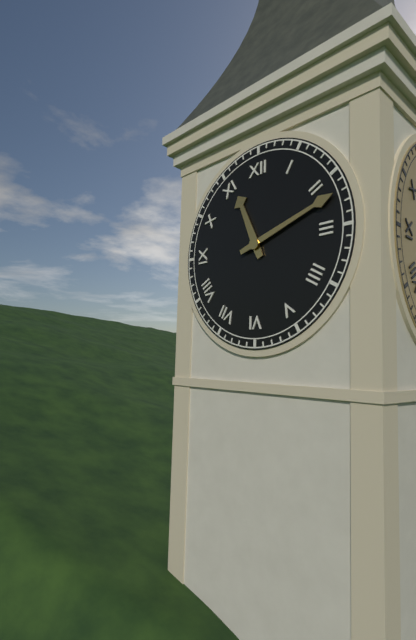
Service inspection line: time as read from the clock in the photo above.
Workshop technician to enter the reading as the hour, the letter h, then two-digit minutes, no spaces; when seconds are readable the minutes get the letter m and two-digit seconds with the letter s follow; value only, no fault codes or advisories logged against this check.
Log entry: 11h12
